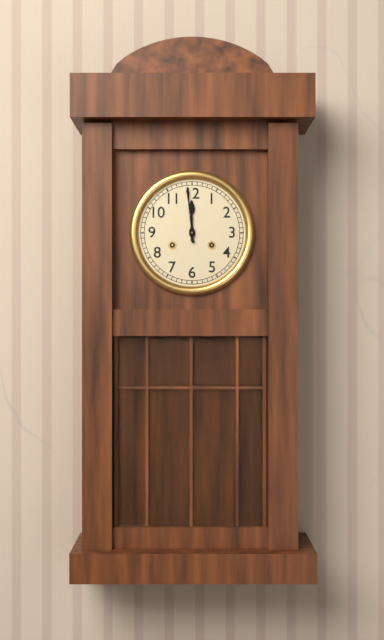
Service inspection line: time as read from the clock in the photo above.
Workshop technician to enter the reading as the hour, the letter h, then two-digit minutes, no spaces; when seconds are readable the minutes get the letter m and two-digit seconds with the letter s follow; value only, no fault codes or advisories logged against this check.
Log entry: 11h59
